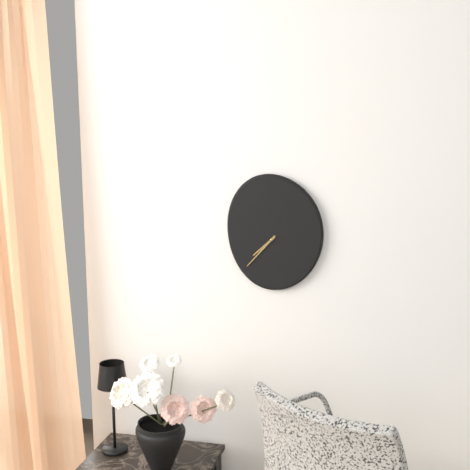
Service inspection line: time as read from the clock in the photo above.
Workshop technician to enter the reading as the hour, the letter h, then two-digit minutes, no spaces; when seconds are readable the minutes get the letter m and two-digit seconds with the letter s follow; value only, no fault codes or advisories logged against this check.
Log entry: 7h37
